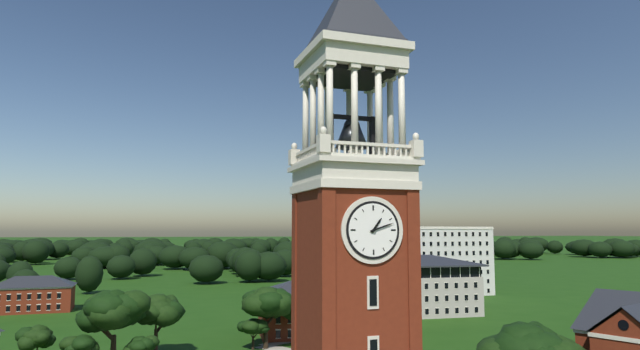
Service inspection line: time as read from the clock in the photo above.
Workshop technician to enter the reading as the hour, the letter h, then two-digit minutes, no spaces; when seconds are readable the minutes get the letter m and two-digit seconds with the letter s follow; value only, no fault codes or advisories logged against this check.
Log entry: 1h12
